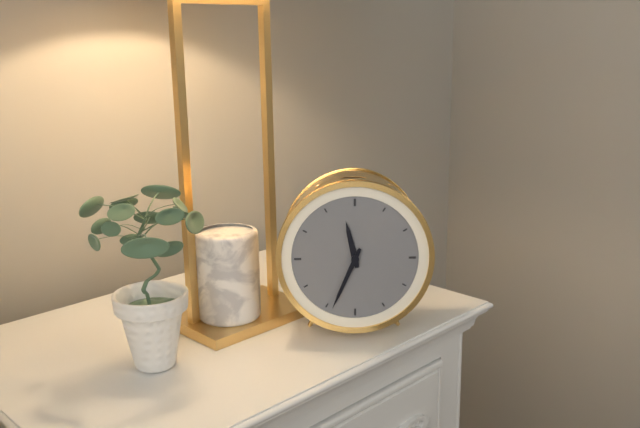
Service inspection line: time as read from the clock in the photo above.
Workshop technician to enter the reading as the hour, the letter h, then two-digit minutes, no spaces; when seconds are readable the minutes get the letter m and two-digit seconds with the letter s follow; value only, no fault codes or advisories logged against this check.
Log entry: 11h34
